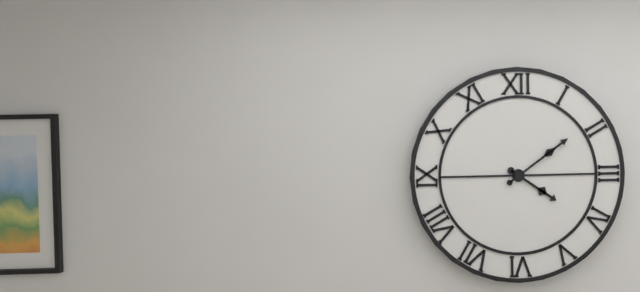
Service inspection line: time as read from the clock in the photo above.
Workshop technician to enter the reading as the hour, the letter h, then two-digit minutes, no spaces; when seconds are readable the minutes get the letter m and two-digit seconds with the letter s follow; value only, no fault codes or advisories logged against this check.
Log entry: 4h09
